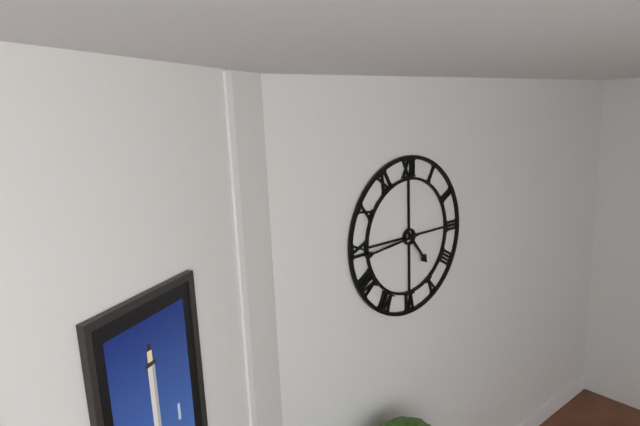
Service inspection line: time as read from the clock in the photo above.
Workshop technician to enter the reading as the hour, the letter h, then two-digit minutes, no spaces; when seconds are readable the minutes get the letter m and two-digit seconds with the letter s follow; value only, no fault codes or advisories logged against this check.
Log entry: 4h44
